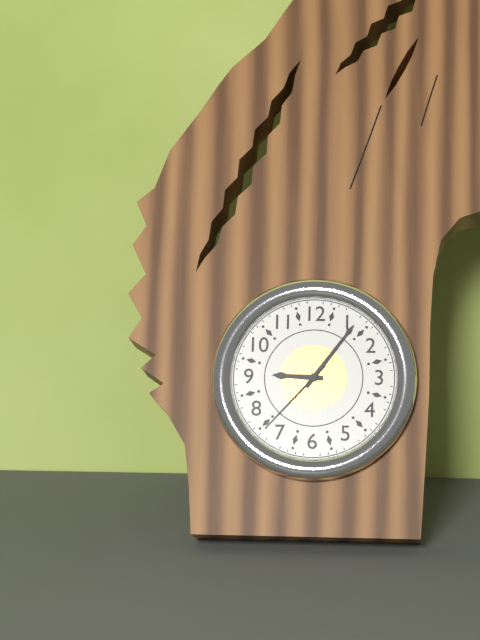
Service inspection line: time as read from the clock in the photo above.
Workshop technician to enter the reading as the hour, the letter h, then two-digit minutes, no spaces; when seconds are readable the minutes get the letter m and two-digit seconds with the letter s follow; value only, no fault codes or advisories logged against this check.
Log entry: 9h06m37s
